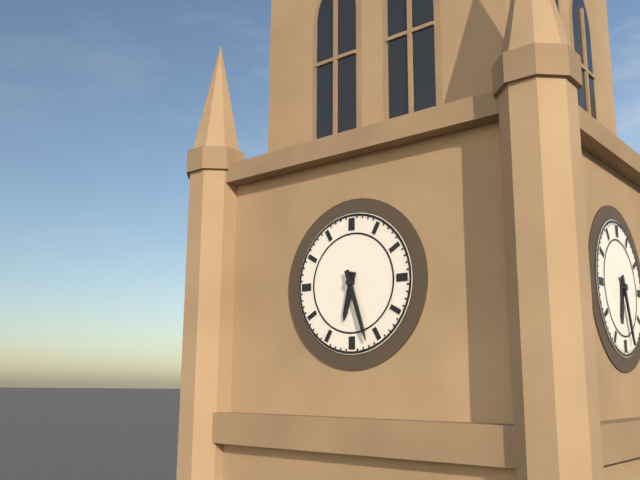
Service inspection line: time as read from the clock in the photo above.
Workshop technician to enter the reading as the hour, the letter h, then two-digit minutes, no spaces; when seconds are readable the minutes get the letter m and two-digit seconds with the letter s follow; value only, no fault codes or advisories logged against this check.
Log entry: 6h27
